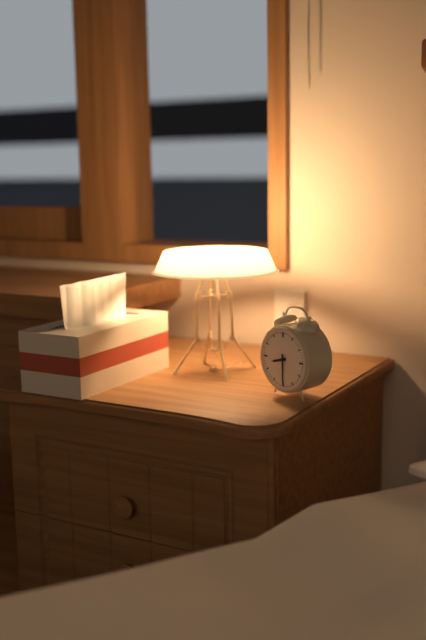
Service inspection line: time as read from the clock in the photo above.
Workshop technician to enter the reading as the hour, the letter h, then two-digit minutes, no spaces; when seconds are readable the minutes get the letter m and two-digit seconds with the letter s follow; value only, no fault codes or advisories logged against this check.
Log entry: 8h30
